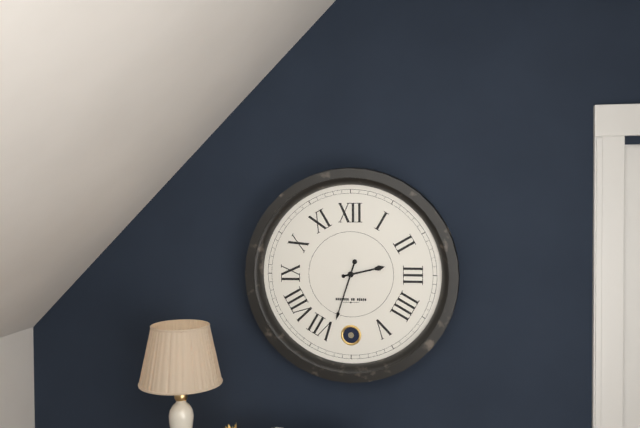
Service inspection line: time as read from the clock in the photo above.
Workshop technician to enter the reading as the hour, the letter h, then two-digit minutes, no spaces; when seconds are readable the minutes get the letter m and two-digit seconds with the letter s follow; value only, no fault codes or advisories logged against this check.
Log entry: 2h33
